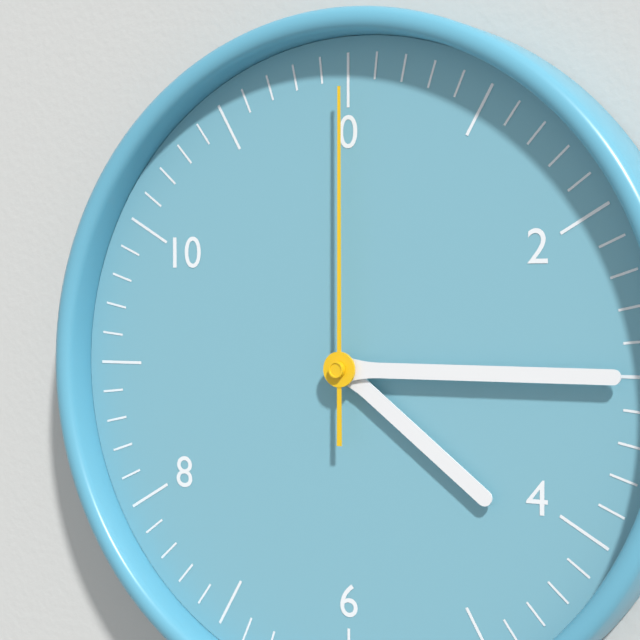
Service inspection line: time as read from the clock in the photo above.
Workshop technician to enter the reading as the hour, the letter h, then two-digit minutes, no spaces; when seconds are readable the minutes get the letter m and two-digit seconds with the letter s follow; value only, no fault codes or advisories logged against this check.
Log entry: 4h15m00s
